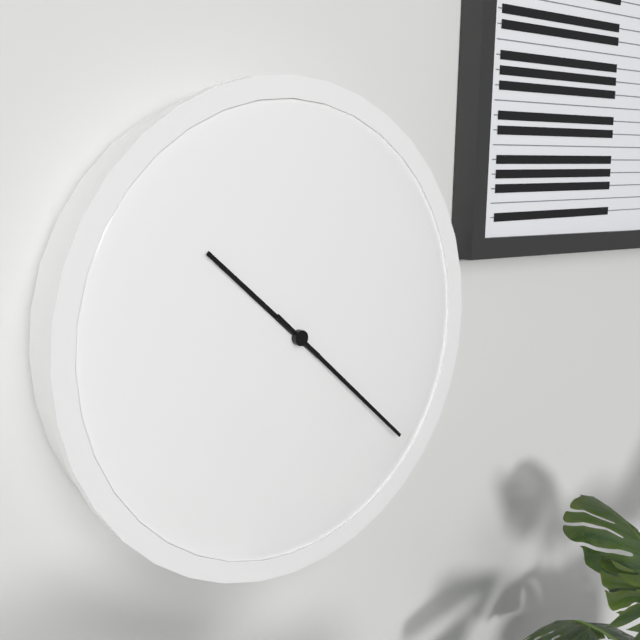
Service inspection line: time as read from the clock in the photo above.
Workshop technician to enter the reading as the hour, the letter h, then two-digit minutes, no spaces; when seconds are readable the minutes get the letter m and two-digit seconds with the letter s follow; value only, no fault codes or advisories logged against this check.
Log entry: 10h22
